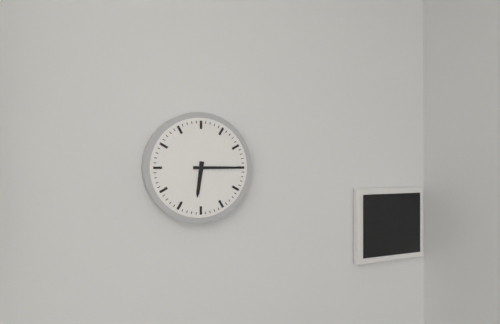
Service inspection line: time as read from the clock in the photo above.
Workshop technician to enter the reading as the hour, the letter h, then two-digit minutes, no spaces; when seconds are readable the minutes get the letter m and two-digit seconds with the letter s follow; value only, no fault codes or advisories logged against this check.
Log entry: 6h15
